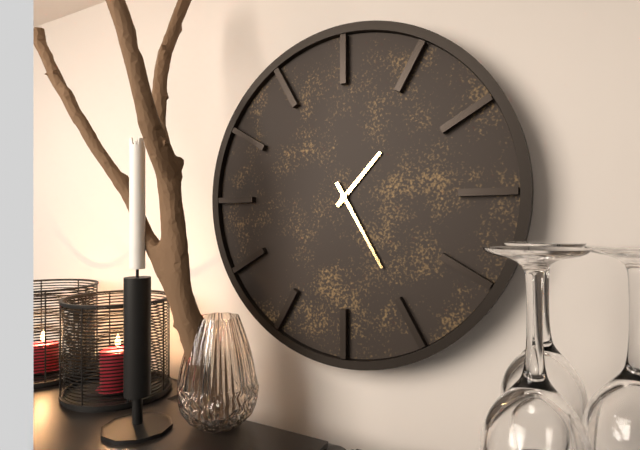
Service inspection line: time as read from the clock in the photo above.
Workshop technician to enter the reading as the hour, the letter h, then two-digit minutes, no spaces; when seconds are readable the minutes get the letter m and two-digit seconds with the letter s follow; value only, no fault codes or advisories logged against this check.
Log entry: 1h25
